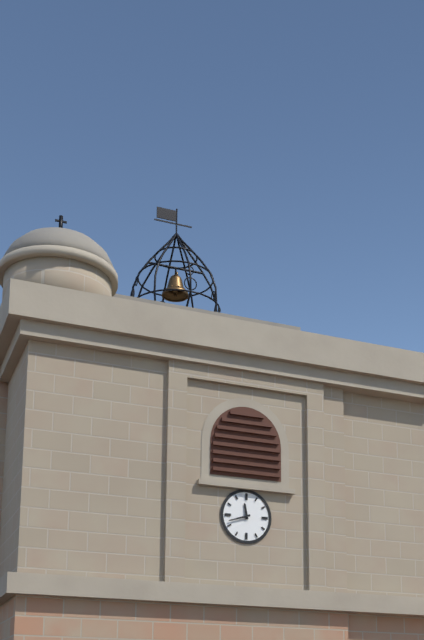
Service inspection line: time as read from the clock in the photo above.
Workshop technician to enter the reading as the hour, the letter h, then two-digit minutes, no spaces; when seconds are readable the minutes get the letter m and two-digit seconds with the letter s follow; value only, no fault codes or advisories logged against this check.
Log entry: 11h42
